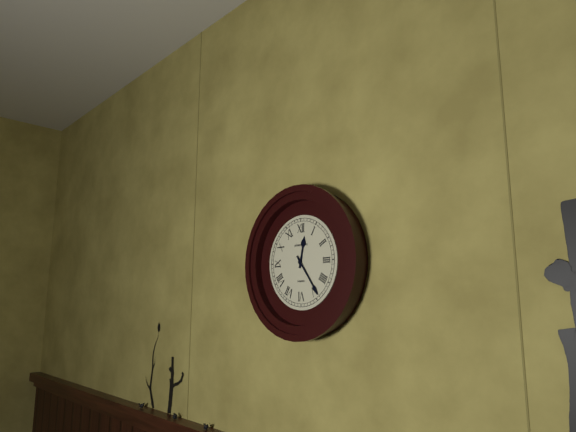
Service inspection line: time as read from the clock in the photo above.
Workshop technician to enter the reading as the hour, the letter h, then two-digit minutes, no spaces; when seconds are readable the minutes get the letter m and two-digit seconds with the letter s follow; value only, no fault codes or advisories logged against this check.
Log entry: 12h24
